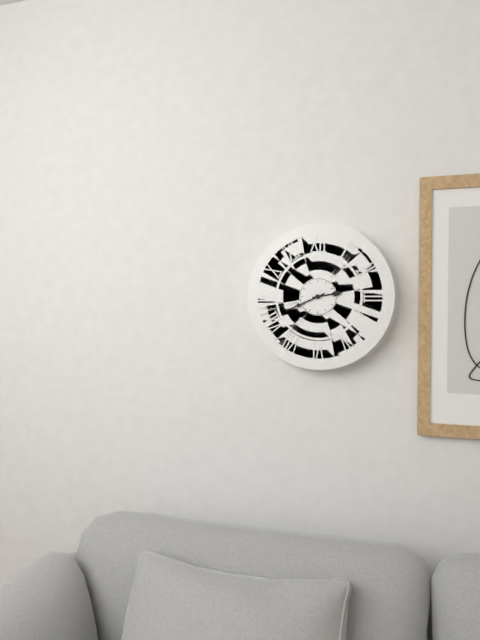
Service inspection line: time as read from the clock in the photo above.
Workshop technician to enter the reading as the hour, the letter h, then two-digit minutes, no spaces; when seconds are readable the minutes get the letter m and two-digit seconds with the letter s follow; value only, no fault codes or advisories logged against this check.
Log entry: 2h41
